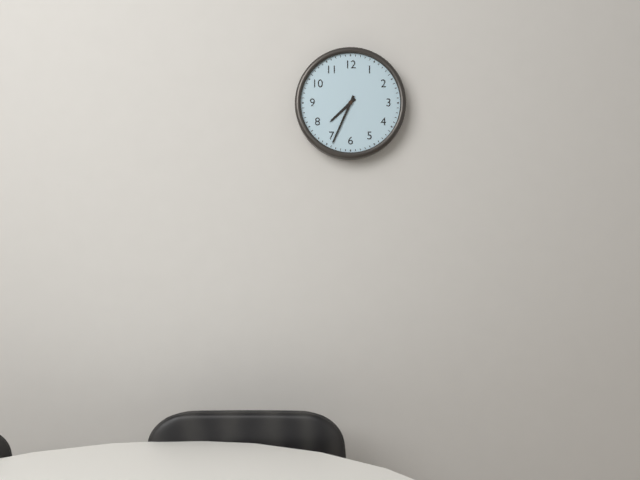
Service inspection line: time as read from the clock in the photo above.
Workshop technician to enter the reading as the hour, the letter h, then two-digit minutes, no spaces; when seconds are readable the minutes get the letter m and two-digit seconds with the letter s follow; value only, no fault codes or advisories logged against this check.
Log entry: 7h34
